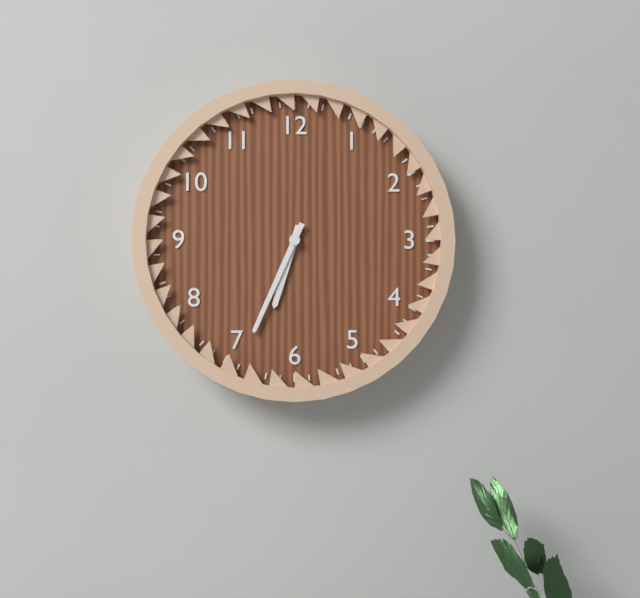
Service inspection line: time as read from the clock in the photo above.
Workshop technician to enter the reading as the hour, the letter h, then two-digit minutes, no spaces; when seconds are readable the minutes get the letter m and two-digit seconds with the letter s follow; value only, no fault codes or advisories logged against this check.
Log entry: 6h34
